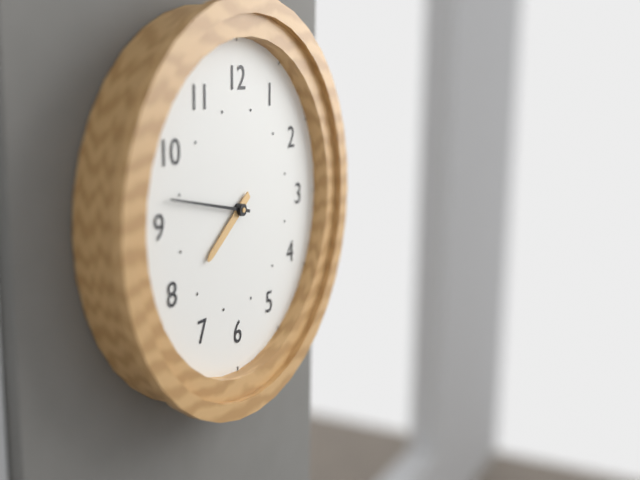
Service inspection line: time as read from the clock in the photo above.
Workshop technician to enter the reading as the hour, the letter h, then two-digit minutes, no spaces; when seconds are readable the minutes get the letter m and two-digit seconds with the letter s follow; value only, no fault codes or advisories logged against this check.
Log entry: 7h47
